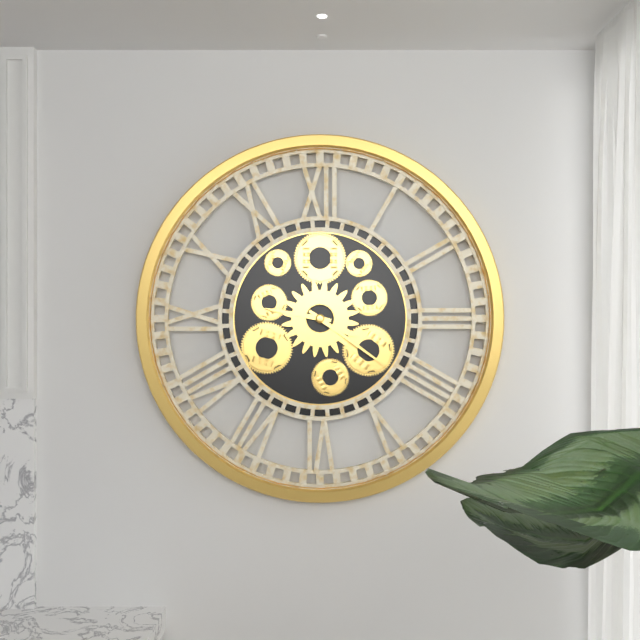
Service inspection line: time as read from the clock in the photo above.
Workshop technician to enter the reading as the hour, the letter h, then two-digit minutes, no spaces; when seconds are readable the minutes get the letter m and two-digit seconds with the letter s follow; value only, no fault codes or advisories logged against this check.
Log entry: 9h21
